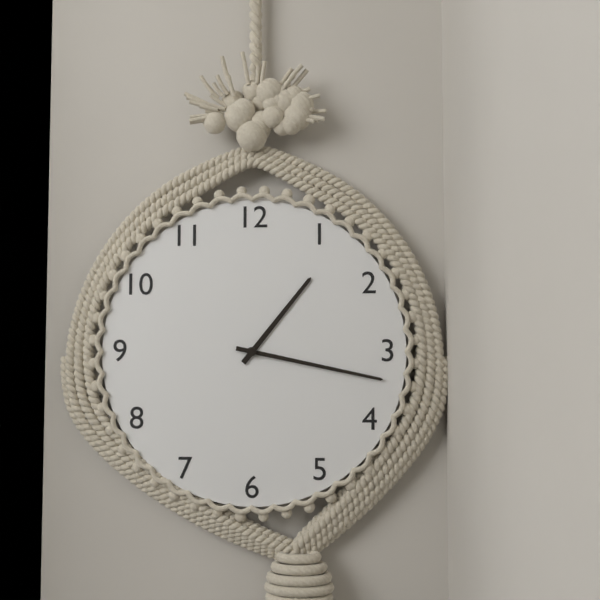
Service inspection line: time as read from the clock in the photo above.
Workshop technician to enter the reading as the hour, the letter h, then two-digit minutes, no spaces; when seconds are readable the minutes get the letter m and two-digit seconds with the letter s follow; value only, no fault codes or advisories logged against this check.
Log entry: 1h17
